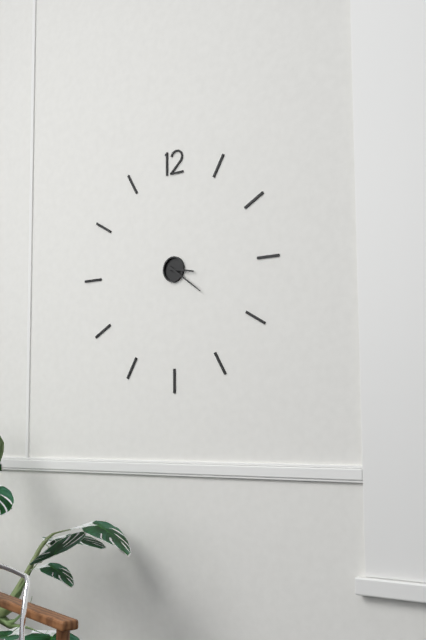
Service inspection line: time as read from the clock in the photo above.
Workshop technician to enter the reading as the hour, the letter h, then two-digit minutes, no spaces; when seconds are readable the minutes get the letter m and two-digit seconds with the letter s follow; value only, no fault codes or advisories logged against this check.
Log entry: 3h21
